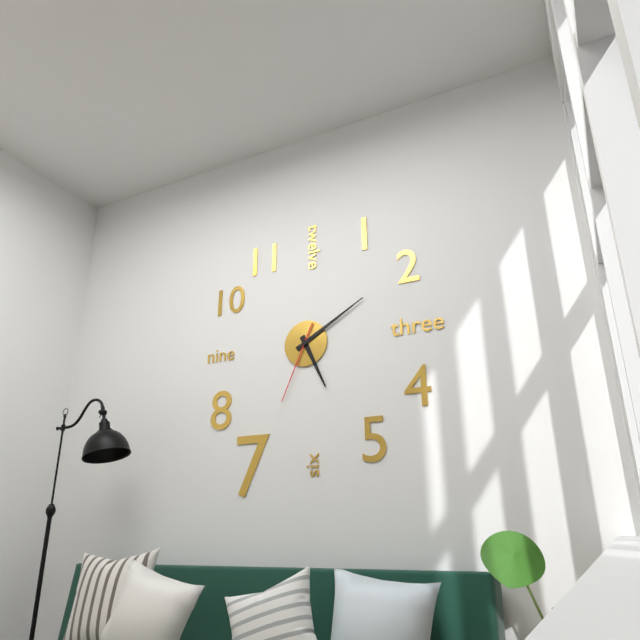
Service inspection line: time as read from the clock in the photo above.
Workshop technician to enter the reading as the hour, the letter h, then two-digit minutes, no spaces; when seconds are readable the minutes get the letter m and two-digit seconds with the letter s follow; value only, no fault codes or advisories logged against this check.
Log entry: 5h10m34s
